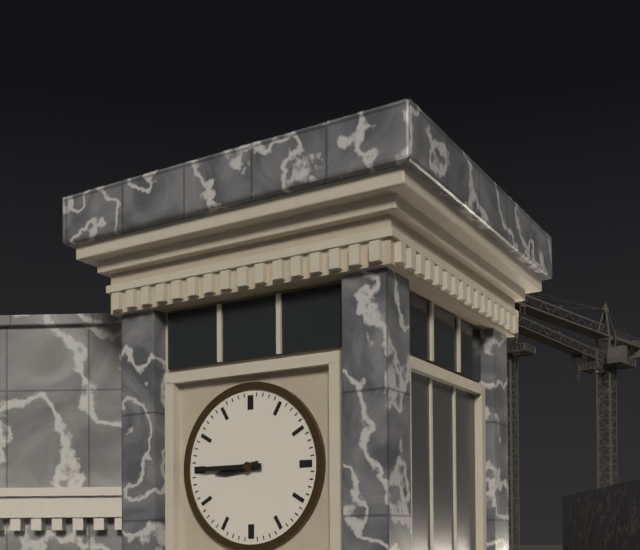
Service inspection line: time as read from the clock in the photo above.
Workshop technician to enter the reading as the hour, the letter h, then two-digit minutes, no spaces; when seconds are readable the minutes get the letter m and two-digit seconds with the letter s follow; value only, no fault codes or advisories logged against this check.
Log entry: 8h45
